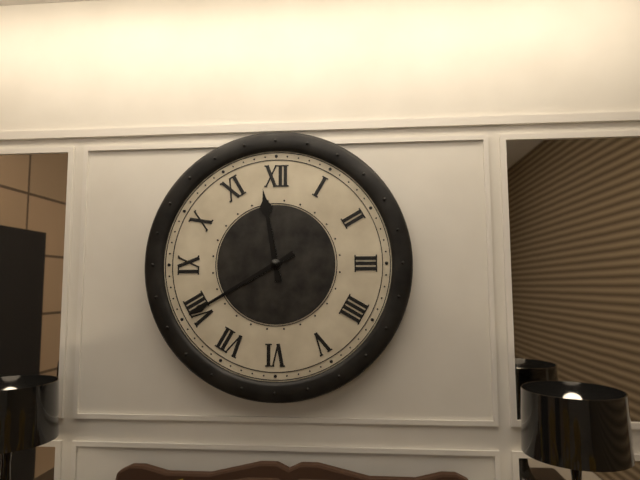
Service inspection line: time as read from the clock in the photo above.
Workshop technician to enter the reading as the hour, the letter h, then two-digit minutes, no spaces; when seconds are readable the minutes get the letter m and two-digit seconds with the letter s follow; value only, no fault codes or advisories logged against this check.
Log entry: 11h40
